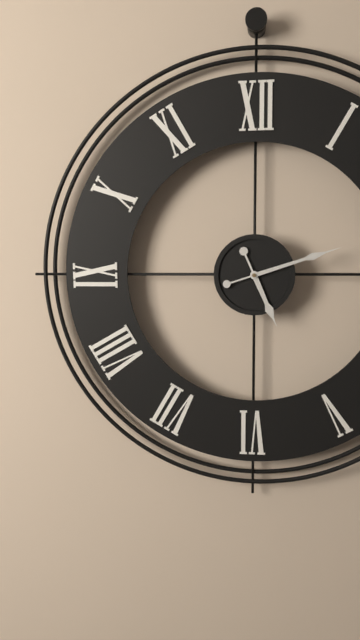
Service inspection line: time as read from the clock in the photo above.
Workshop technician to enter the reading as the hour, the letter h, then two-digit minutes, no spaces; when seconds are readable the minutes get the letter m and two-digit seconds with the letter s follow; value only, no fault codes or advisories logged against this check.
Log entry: 5h12
